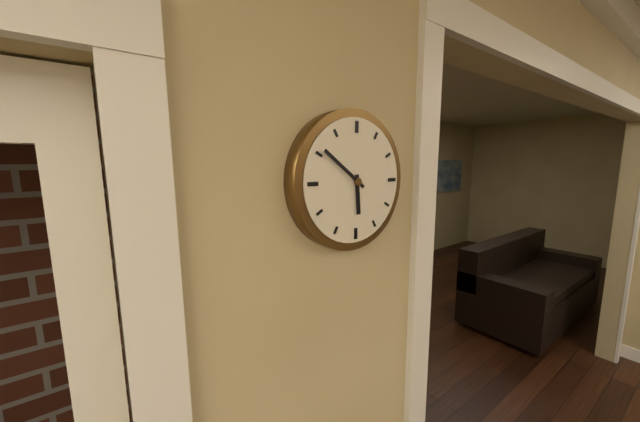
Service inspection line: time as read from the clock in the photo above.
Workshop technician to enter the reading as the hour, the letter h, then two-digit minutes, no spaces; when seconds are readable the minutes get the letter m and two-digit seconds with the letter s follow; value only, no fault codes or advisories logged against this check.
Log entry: 5h51
